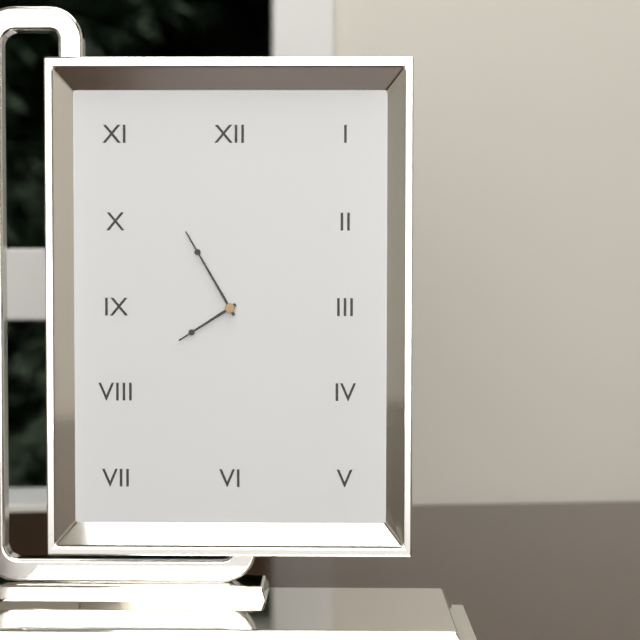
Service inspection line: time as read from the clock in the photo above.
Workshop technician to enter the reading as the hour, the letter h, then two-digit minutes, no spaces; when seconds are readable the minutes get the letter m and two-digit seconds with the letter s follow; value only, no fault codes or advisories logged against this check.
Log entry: 7h55
